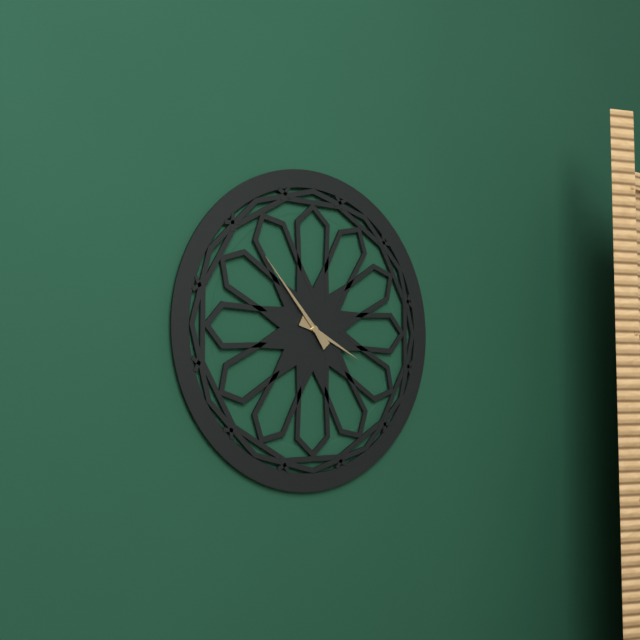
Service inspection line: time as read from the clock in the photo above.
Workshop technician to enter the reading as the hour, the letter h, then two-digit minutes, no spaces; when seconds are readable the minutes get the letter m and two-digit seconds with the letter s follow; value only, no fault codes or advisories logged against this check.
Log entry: 3h53
